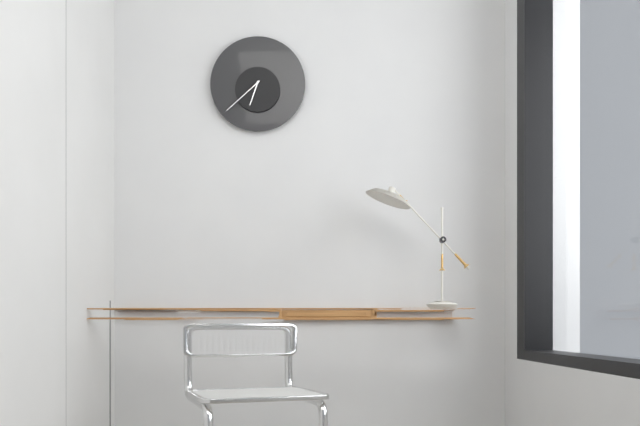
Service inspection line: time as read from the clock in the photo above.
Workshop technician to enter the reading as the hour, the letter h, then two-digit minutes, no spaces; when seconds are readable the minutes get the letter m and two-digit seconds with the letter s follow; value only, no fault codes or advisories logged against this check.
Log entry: 6h38
